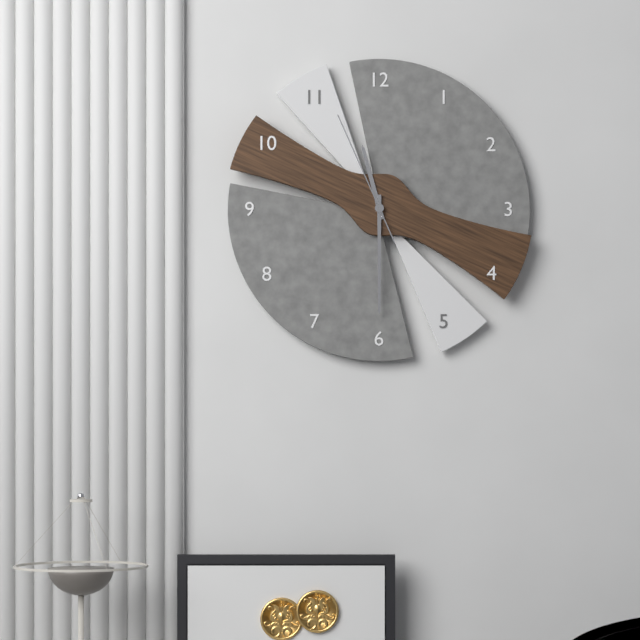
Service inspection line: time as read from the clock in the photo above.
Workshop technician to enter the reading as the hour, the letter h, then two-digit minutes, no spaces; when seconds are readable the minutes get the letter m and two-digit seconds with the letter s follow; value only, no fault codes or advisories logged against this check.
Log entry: 11h30m56s
